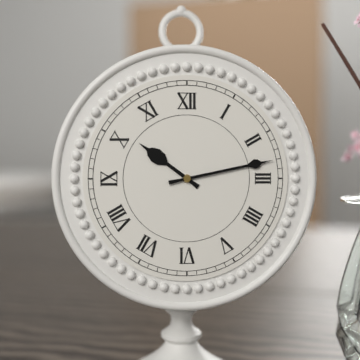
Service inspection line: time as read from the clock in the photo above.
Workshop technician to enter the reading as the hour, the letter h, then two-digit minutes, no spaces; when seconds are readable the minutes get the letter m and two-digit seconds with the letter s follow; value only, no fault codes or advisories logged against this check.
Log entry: 10h13
